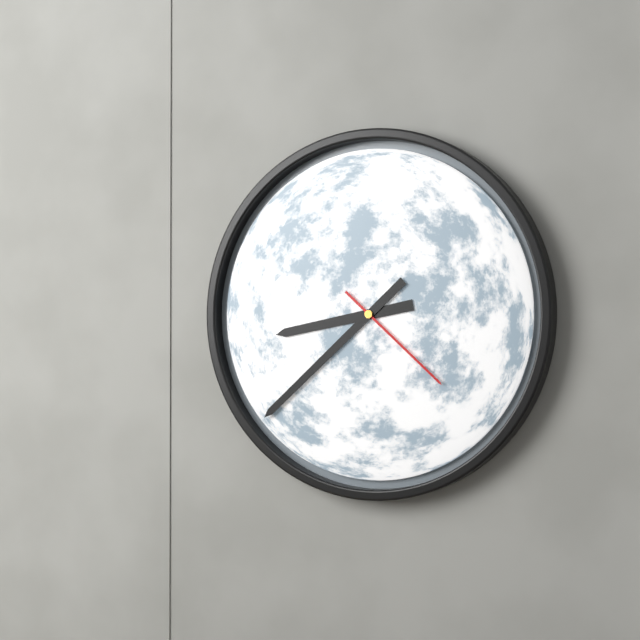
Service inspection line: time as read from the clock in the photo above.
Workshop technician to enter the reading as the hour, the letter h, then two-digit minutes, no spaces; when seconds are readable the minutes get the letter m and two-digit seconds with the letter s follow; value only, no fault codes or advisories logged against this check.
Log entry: 8h38m22s
